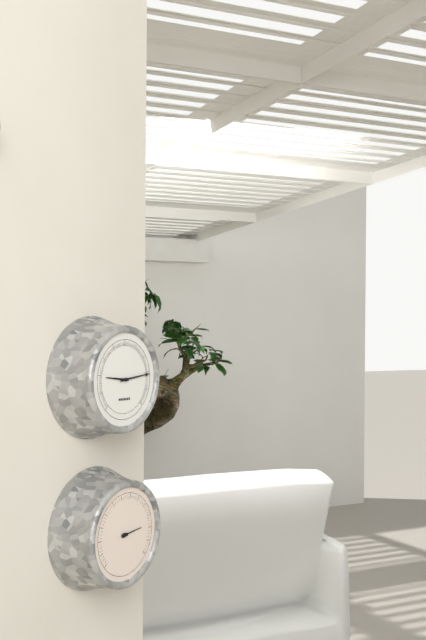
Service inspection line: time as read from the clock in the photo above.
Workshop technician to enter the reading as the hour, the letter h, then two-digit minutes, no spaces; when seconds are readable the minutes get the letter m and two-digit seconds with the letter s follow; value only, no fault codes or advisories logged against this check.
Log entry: 9h14
